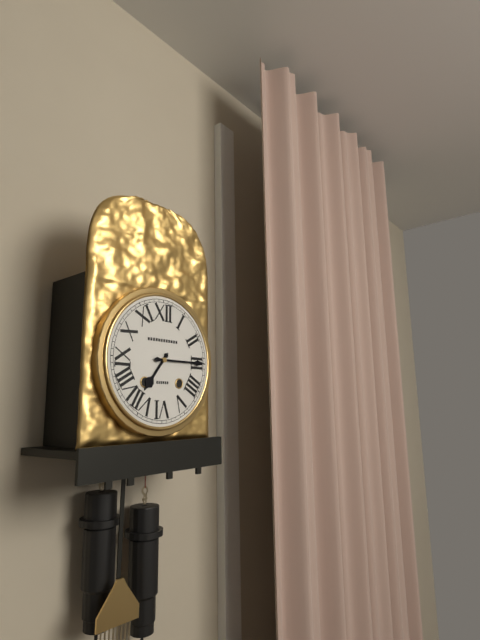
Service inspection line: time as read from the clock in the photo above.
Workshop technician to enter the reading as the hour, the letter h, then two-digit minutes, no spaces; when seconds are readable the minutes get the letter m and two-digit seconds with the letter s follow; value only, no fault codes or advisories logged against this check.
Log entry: 7h15
